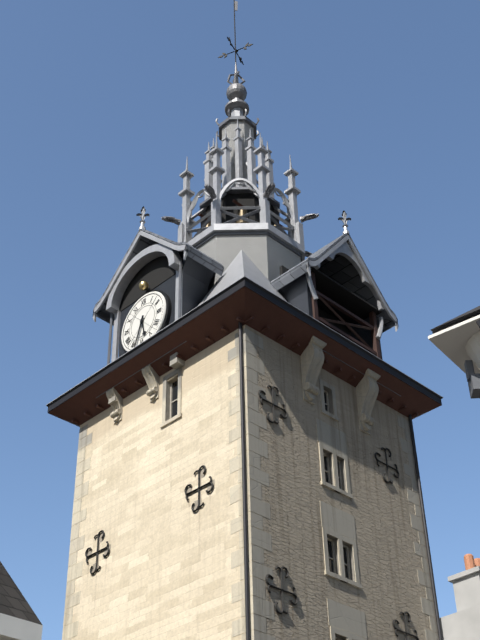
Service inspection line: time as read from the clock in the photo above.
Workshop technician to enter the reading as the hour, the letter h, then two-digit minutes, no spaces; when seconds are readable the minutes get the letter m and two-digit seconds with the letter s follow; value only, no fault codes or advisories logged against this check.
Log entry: 5h33
